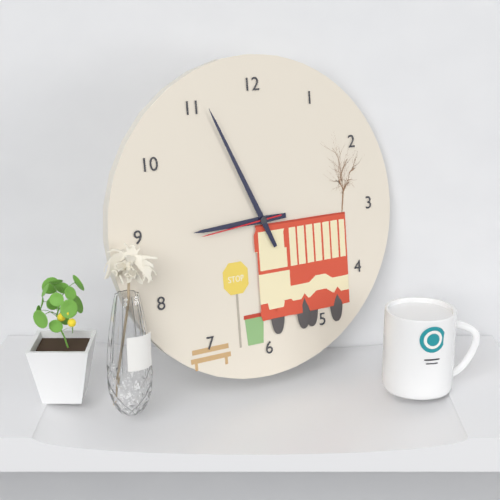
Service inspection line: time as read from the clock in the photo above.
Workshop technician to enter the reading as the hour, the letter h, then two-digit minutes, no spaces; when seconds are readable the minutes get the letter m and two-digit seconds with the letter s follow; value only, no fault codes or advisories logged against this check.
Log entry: 8h56m44s
